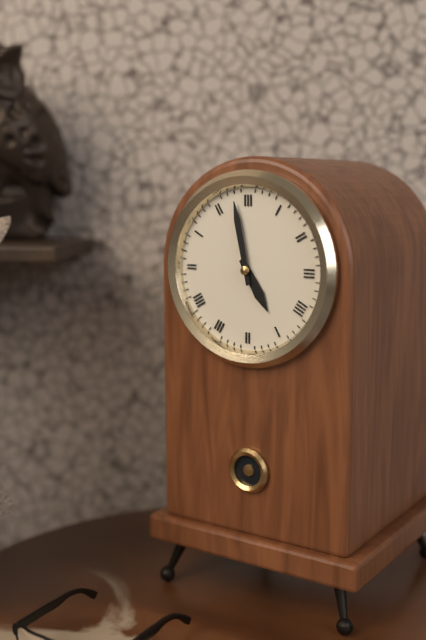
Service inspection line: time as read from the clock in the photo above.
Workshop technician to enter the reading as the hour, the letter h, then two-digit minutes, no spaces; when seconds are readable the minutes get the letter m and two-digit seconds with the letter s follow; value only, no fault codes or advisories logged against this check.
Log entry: 4h58
